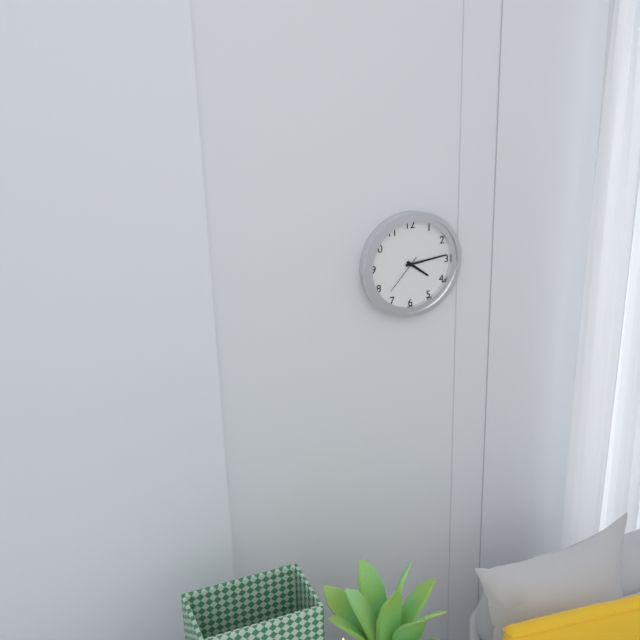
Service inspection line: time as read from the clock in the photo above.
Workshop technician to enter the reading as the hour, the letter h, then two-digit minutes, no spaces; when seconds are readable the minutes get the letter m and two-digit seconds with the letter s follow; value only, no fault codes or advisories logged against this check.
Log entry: 4h14
